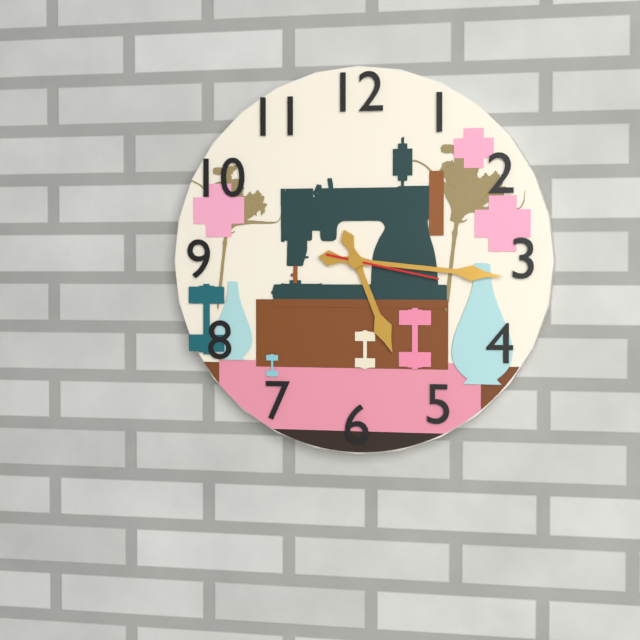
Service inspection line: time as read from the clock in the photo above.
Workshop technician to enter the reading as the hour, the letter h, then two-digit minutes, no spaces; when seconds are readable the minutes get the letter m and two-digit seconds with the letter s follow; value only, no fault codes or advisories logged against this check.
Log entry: 5h16m17s
